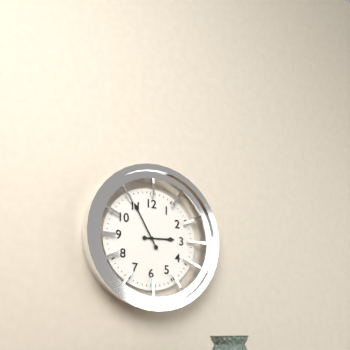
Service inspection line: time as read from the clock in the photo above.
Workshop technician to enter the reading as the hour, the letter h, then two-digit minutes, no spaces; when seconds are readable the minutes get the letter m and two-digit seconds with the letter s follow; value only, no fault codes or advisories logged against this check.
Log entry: 2h55
